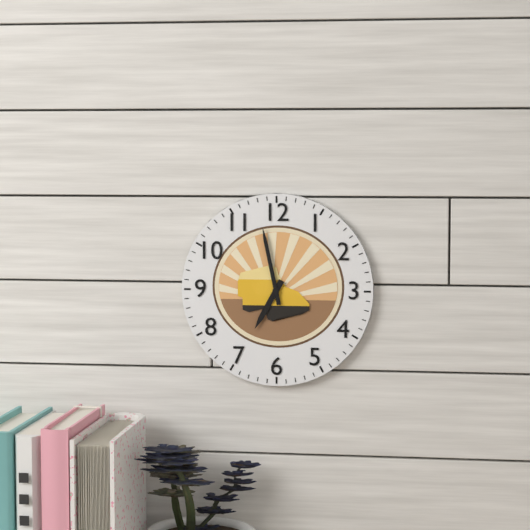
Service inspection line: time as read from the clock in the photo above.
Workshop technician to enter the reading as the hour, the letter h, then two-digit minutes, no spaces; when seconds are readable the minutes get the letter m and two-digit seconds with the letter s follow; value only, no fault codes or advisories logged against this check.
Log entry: 6h58
